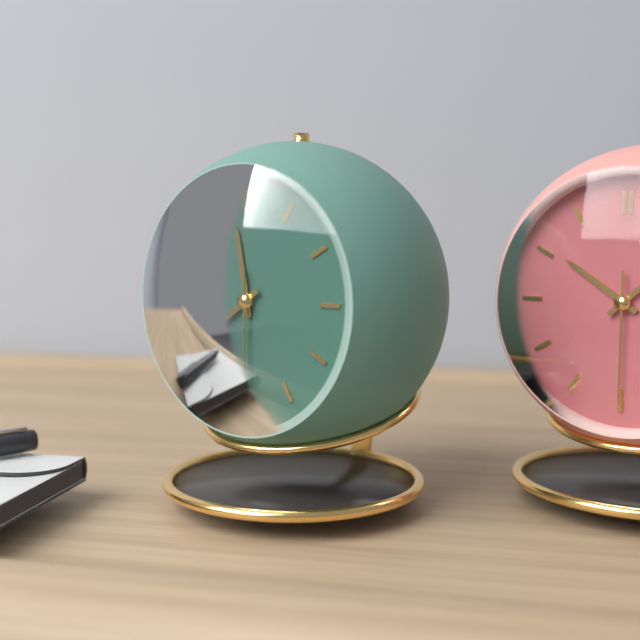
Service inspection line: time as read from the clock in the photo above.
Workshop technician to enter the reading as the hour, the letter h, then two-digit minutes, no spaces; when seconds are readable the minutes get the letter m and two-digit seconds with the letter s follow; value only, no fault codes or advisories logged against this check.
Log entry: 11h39m30s
